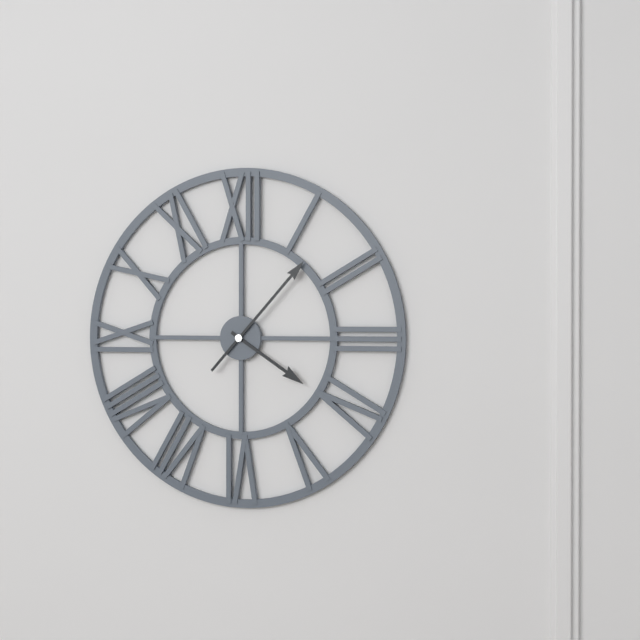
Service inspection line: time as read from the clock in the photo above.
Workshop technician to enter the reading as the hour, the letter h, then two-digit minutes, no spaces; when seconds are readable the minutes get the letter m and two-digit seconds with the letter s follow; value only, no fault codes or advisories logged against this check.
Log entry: 4h07
